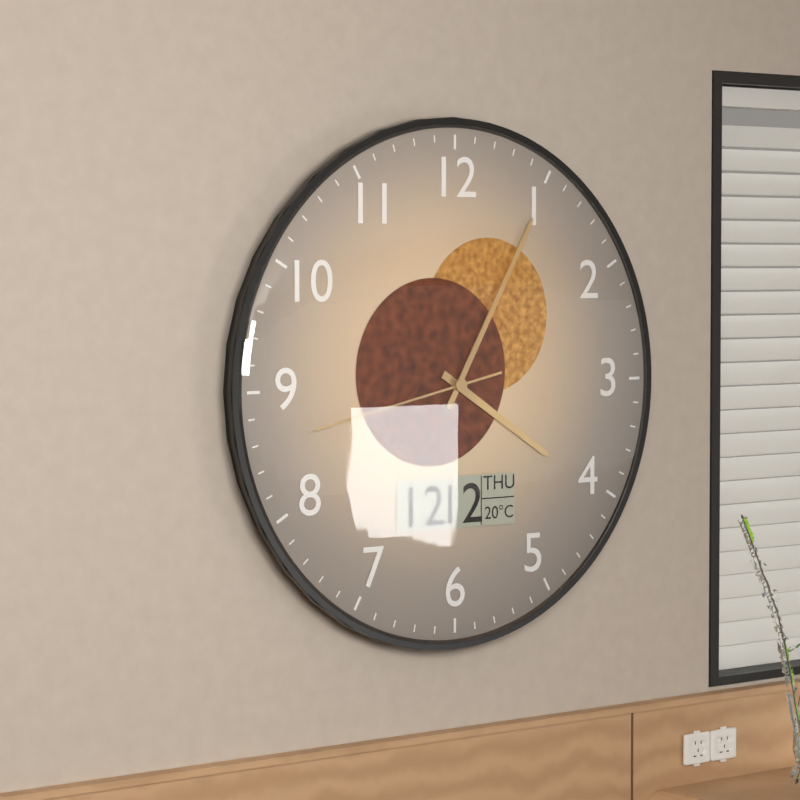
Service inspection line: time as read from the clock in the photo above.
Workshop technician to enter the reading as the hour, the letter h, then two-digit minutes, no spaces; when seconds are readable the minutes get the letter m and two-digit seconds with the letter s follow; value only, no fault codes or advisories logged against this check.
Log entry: 4h05m43s
